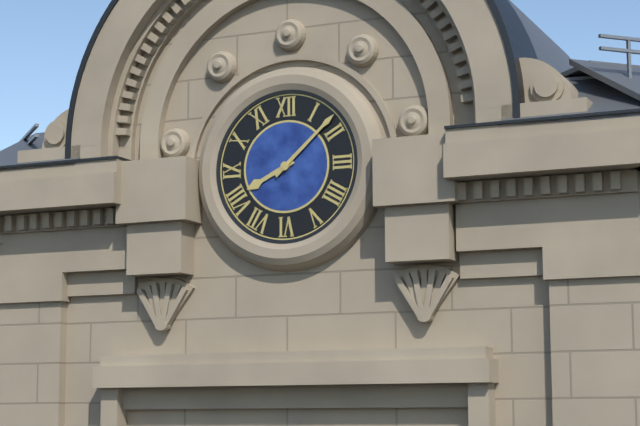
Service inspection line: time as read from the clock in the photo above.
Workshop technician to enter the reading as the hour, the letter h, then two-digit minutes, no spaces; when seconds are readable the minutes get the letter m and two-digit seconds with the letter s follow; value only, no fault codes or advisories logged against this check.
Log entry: 8h08
